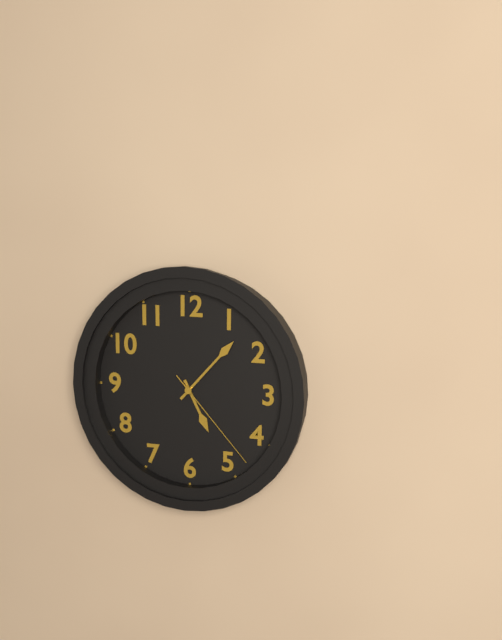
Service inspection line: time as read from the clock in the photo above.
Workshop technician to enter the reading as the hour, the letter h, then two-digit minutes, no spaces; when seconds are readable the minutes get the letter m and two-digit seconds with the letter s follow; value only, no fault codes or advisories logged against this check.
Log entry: 5h07m23s
